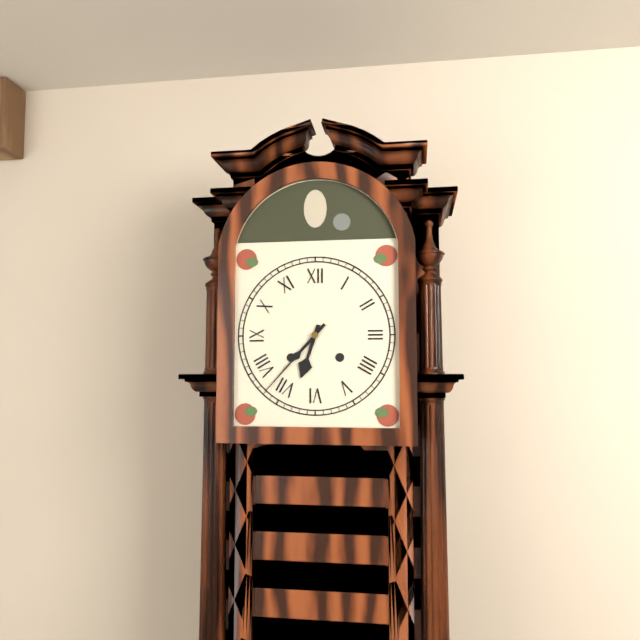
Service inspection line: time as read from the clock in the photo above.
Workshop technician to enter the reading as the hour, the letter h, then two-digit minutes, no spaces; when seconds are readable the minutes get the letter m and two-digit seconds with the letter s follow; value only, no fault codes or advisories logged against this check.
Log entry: 6h37
